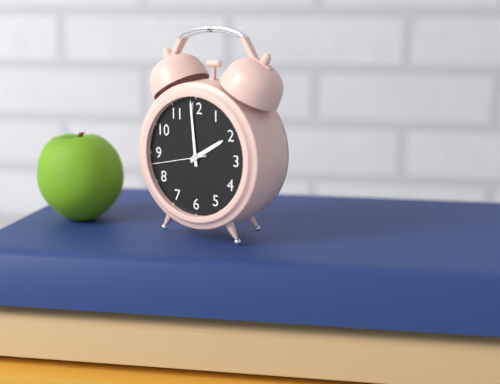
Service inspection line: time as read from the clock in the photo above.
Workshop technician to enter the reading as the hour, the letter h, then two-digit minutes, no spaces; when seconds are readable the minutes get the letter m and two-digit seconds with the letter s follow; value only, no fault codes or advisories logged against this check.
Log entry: 1h59m43s
